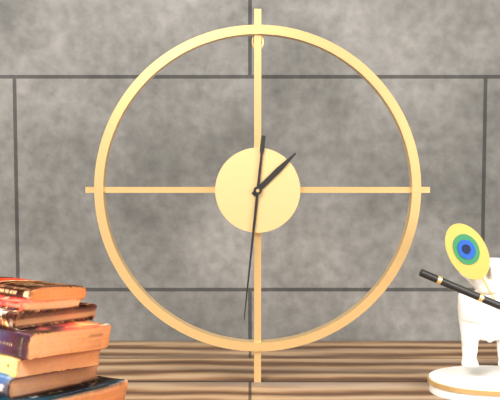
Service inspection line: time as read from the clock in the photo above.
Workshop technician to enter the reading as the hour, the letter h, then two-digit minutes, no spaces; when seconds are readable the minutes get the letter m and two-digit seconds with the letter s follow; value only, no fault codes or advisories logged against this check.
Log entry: 1h31
